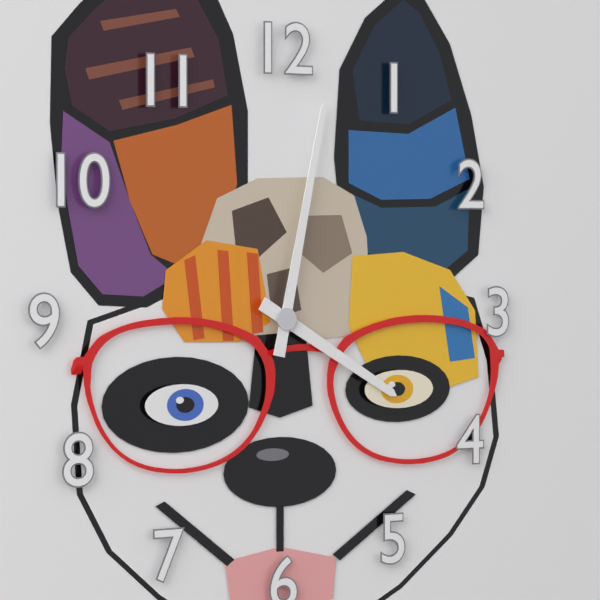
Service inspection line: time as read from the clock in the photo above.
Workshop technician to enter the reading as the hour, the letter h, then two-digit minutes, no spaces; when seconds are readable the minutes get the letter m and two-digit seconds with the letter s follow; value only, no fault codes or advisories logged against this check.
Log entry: 4h02
